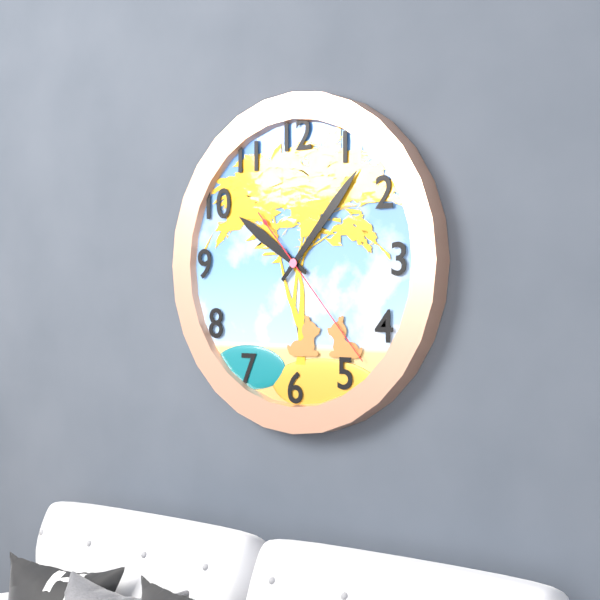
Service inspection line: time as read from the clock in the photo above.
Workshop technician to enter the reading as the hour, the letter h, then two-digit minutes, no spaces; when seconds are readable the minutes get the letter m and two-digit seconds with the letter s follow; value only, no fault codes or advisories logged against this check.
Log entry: 10h07m23s
